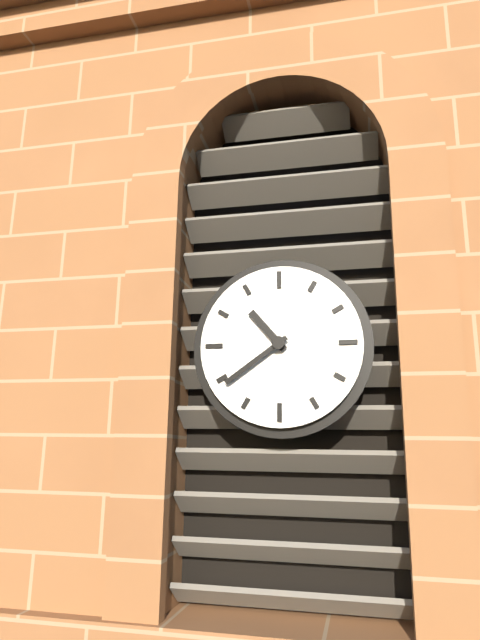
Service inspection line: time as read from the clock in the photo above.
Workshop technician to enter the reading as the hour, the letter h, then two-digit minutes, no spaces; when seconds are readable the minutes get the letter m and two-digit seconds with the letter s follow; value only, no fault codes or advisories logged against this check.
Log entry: 10h39
